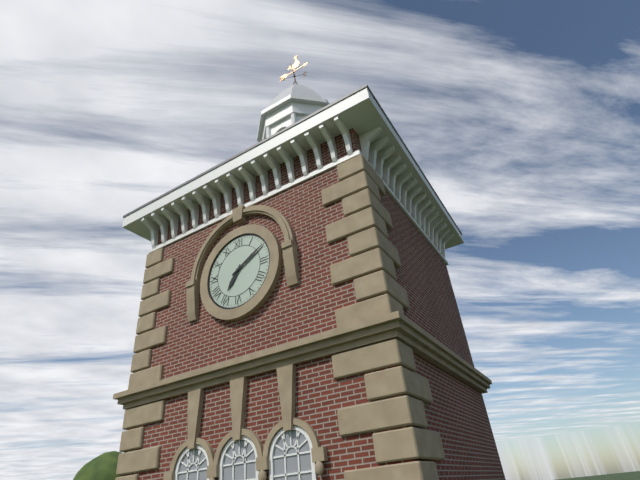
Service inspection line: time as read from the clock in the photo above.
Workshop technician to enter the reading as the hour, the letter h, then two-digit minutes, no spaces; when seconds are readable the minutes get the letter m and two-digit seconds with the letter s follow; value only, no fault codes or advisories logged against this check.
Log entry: 7h10
